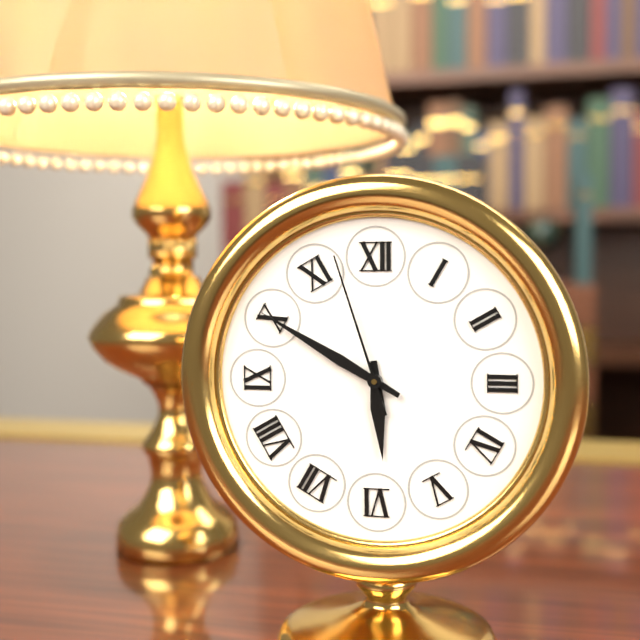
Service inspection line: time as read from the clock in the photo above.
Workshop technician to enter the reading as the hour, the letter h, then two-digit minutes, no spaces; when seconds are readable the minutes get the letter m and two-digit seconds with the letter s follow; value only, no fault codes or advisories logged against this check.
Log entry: 5h50m57s
